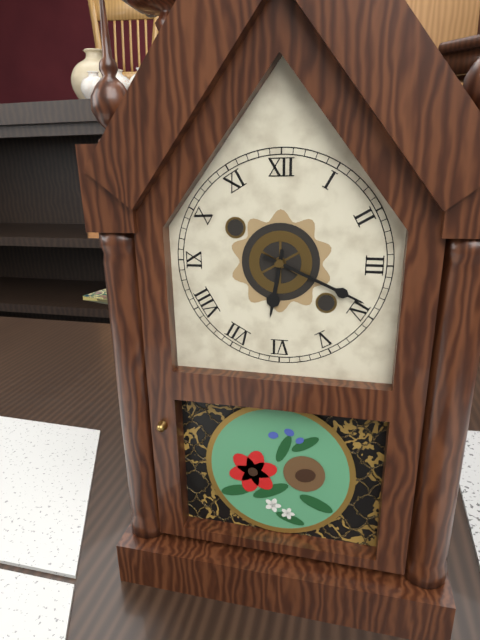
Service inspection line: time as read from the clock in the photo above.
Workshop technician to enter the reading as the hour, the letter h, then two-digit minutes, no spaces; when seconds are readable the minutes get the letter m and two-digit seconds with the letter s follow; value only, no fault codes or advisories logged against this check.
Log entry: 6h19
